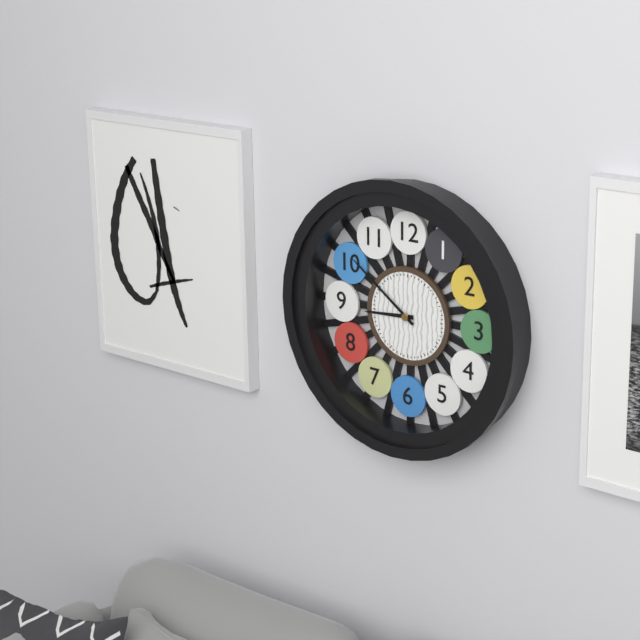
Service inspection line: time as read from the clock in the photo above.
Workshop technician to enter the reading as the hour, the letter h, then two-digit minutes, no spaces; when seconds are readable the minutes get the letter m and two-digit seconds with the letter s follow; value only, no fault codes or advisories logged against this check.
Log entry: 8h51
